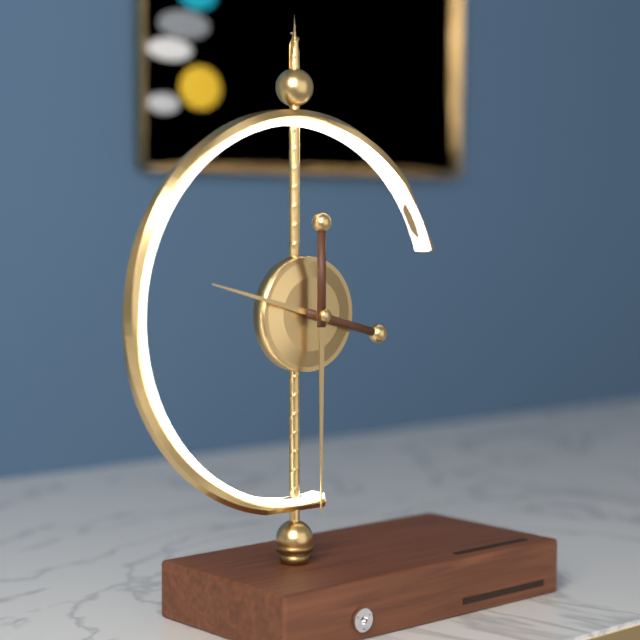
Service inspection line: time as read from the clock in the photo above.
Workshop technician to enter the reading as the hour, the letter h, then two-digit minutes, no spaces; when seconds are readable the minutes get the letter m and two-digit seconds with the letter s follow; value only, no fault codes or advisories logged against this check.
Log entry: 9h30
